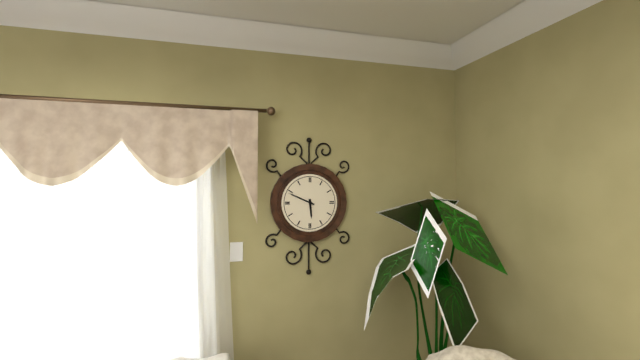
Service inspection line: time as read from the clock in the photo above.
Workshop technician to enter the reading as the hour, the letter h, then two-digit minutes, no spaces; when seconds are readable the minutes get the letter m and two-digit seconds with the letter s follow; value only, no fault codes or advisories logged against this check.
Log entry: 5h49
